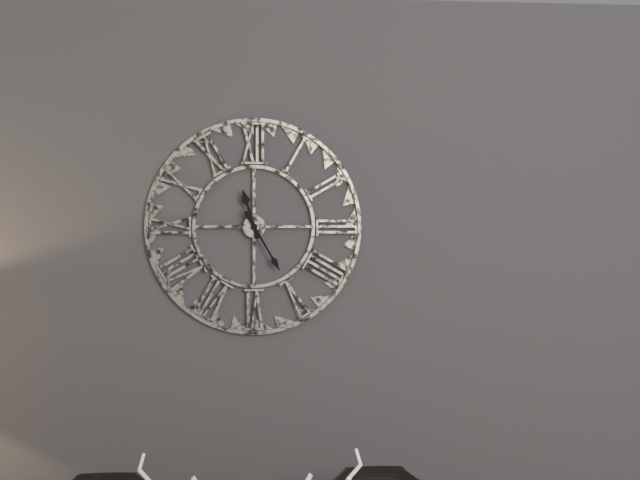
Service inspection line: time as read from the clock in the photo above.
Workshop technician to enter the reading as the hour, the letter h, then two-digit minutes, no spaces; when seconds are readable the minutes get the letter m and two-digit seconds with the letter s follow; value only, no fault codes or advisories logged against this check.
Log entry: 11h25
